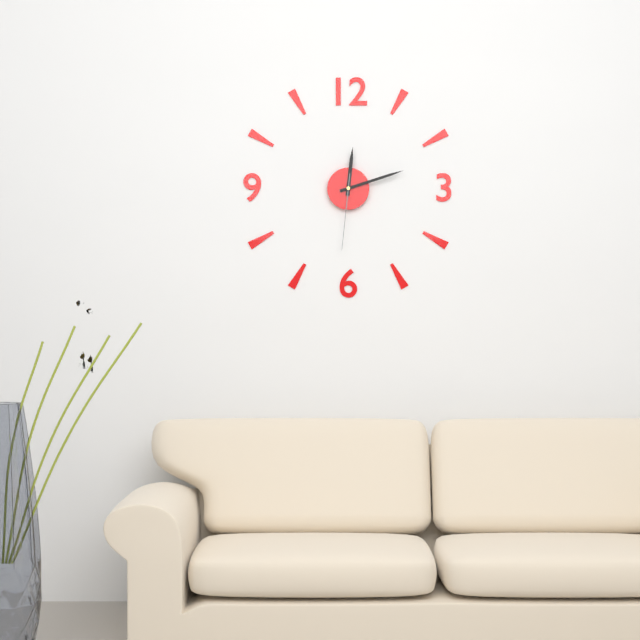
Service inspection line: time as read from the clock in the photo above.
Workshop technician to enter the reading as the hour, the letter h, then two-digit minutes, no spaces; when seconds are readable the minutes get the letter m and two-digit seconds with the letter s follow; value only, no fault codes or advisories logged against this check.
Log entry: 12h12m31s
